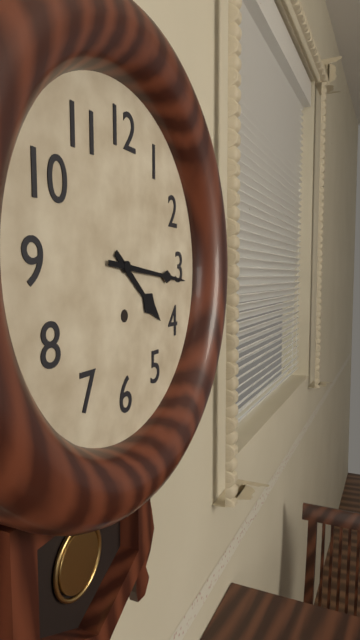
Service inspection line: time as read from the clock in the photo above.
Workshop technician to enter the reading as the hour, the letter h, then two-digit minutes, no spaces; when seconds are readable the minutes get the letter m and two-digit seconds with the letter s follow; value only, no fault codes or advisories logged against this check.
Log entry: 4h16
